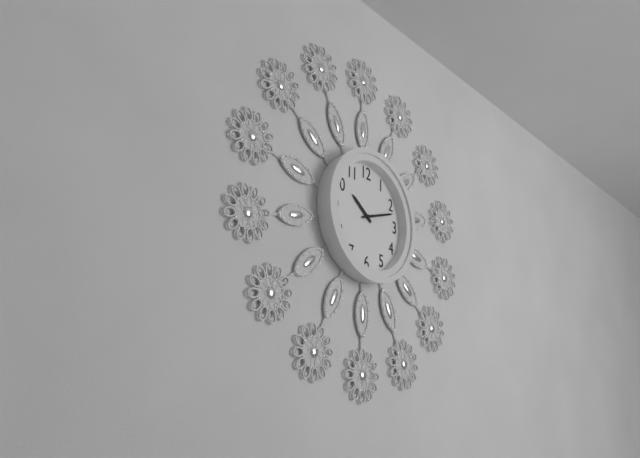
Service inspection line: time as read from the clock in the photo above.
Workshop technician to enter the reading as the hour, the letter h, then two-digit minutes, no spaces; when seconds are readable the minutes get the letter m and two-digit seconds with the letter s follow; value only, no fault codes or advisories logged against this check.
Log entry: 10h12
